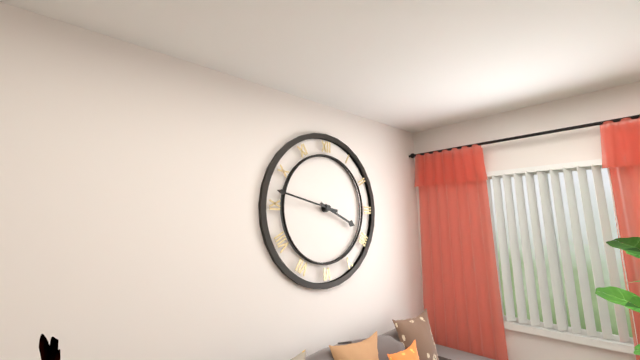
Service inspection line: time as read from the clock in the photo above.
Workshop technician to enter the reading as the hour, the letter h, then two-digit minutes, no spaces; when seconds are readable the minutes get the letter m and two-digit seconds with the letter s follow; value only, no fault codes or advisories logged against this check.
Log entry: 3h47
